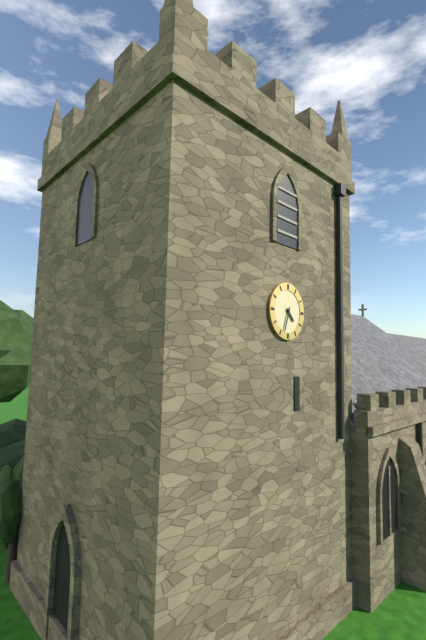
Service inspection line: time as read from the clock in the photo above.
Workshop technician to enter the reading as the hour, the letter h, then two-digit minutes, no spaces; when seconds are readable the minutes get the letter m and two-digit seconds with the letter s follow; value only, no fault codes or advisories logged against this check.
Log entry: 4h33
